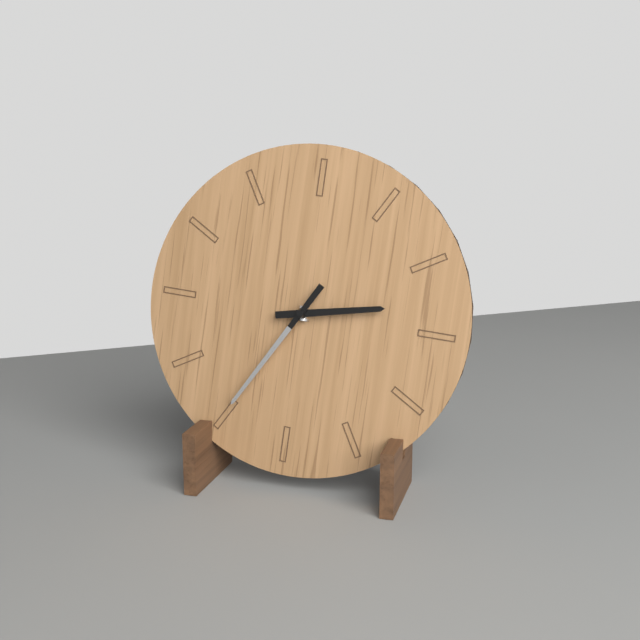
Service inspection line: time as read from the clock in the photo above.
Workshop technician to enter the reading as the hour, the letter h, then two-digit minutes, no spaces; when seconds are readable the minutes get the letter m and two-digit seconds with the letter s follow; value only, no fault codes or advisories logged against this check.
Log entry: 2h35
